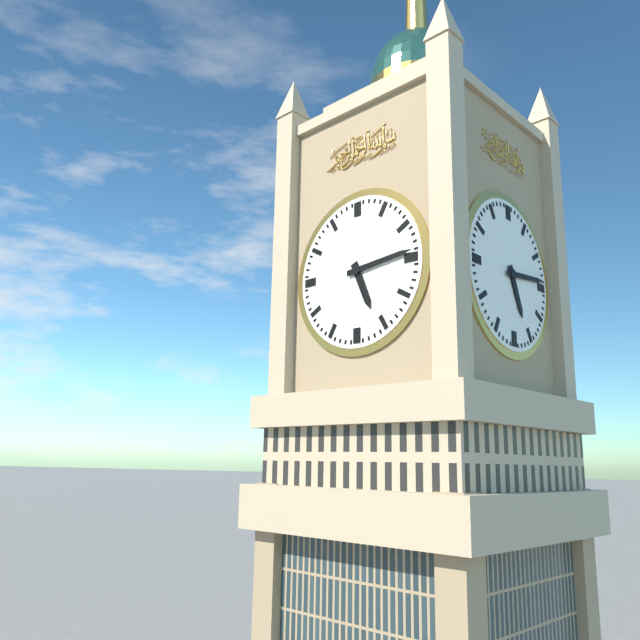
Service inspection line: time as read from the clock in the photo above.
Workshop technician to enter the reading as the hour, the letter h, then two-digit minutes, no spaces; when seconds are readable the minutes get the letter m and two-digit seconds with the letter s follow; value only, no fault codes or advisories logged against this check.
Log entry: 5h14
